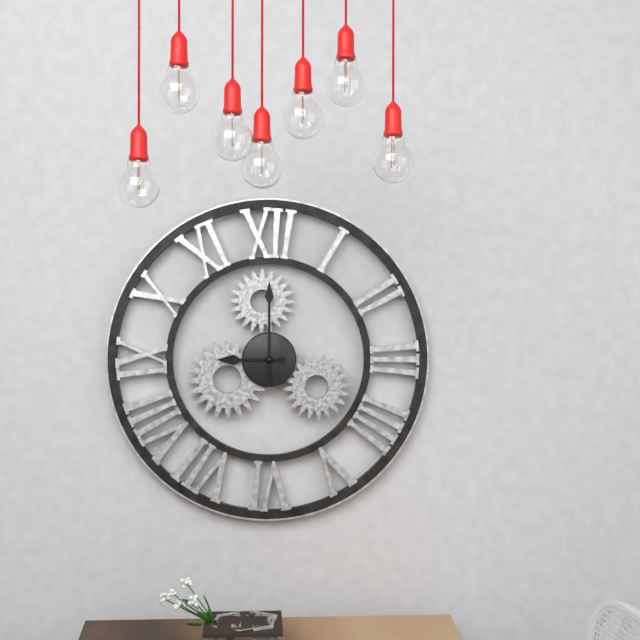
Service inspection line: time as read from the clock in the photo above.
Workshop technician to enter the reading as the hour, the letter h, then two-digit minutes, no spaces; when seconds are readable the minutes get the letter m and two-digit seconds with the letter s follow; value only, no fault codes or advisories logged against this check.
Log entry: 9h00
